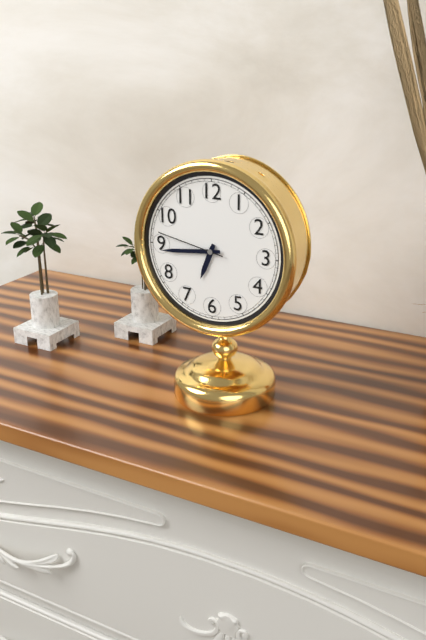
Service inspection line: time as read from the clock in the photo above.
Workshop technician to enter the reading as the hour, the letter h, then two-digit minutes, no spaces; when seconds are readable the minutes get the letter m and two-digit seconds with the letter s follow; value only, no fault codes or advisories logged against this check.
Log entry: 6h44m47s
